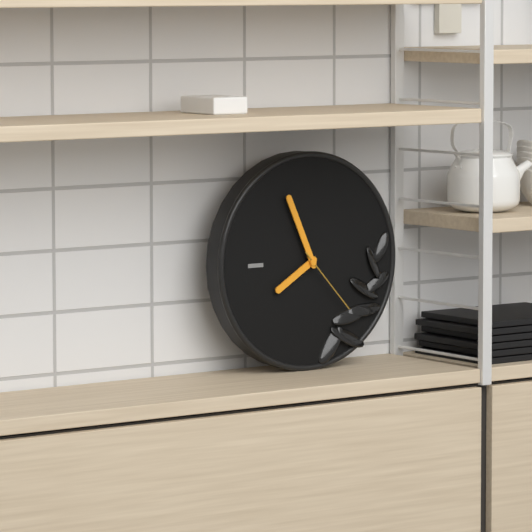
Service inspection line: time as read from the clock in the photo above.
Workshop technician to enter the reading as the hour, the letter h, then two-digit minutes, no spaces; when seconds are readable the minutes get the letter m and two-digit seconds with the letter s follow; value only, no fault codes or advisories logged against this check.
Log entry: 7h56m23s
